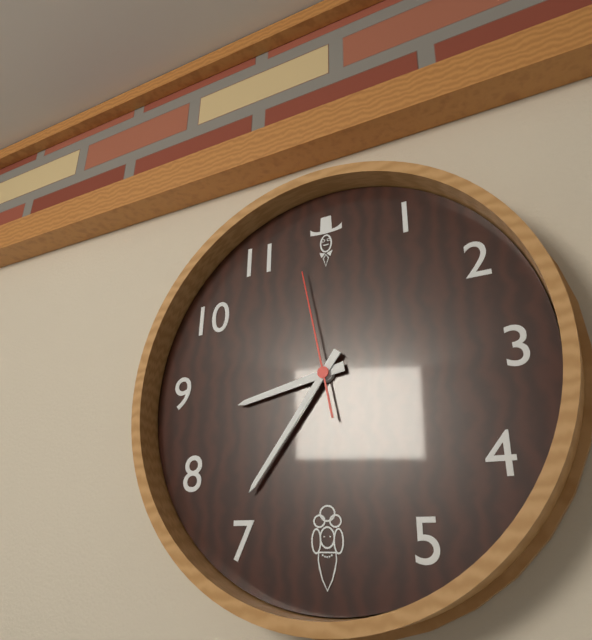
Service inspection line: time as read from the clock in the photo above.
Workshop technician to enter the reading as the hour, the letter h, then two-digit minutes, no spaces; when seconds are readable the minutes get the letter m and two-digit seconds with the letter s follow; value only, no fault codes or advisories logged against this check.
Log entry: 8h36m58s
